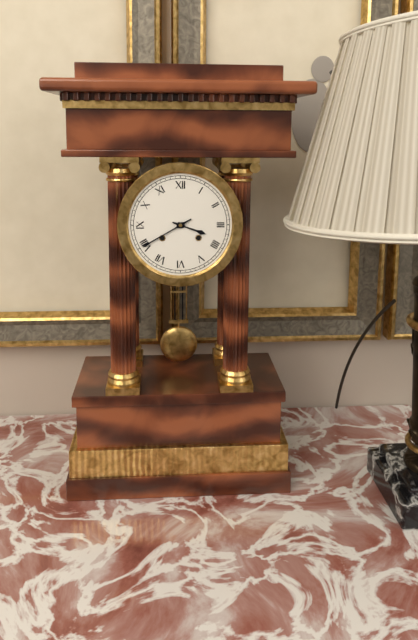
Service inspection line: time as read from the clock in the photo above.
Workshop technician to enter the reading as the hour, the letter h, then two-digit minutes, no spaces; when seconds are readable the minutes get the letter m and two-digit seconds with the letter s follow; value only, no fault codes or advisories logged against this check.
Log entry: 3h40
